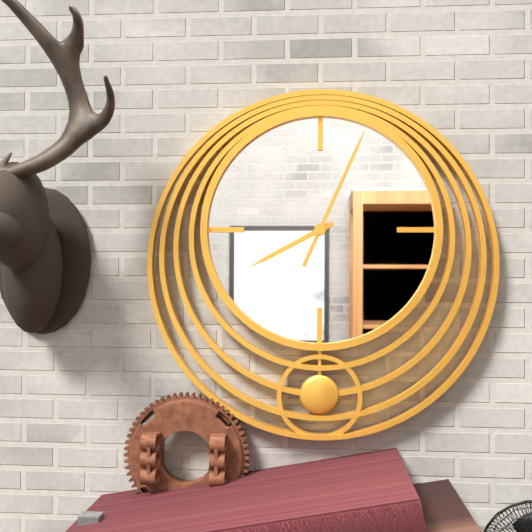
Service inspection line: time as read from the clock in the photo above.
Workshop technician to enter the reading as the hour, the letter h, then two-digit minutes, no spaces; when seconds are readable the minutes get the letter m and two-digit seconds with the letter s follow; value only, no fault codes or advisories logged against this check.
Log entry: 8h04
